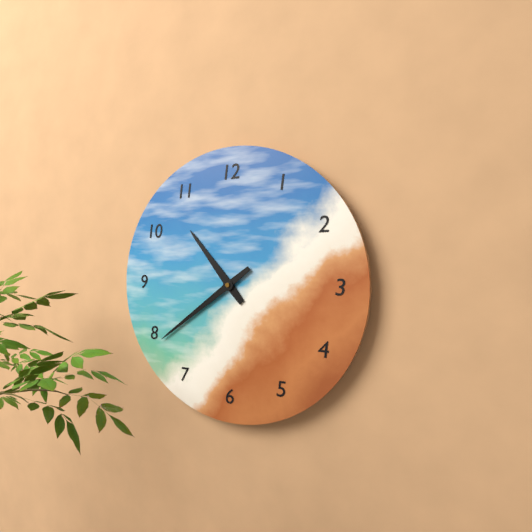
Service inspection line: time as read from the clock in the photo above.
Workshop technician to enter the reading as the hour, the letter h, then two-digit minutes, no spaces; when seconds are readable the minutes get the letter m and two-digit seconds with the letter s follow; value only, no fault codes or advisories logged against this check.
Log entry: 10h39
